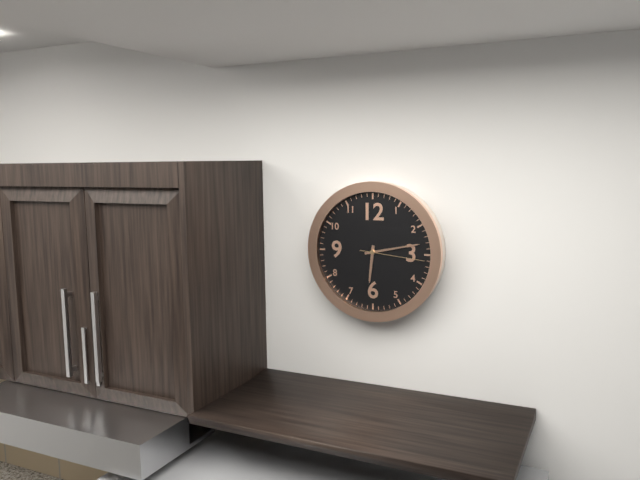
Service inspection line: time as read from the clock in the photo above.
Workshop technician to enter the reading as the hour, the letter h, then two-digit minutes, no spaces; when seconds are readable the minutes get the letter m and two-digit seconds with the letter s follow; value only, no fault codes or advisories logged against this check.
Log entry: 6h13m16s
